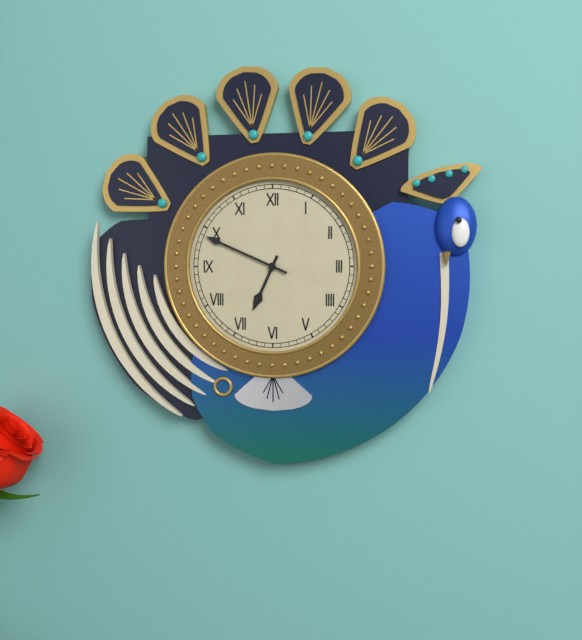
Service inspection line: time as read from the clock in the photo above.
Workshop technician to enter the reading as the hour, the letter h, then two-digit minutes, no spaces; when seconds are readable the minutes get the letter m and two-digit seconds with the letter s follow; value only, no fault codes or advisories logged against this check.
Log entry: 6h49
